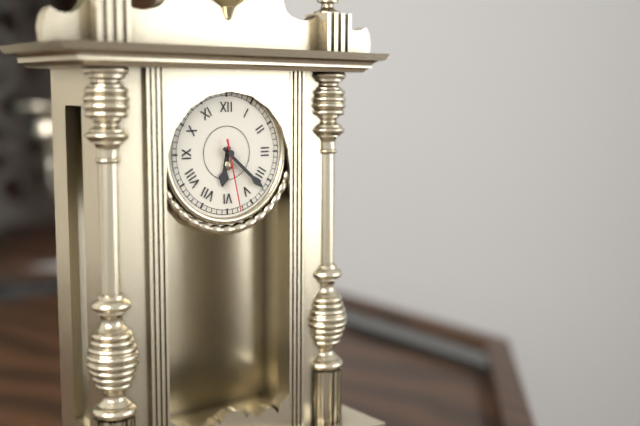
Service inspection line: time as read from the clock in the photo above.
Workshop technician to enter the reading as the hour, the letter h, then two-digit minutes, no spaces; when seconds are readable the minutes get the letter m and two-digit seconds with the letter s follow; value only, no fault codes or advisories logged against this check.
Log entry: 6h22m28s
